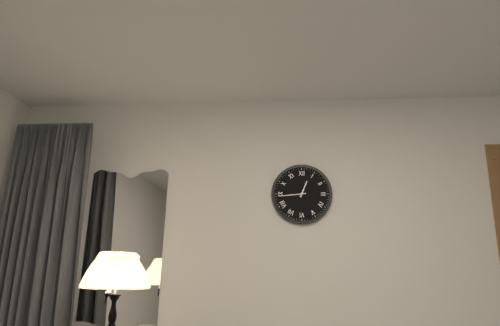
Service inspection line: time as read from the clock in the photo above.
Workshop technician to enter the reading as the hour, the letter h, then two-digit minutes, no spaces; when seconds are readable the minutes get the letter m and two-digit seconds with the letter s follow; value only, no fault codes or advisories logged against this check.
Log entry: 12h44
